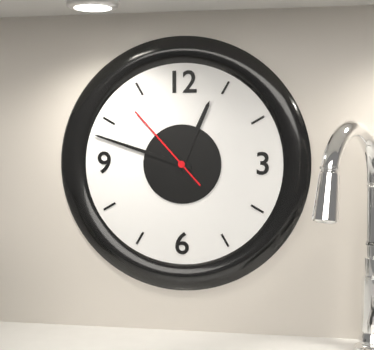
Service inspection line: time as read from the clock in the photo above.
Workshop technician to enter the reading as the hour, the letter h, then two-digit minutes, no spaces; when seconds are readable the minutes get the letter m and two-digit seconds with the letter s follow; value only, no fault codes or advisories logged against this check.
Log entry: 12h48m53s
